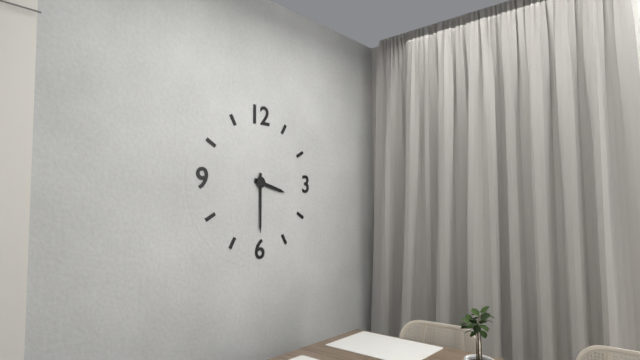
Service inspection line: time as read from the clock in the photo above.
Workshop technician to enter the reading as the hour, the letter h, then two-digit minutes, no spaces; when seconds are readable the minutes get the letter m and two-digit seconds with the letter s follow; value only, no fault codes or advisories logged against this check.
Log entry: 3h30
